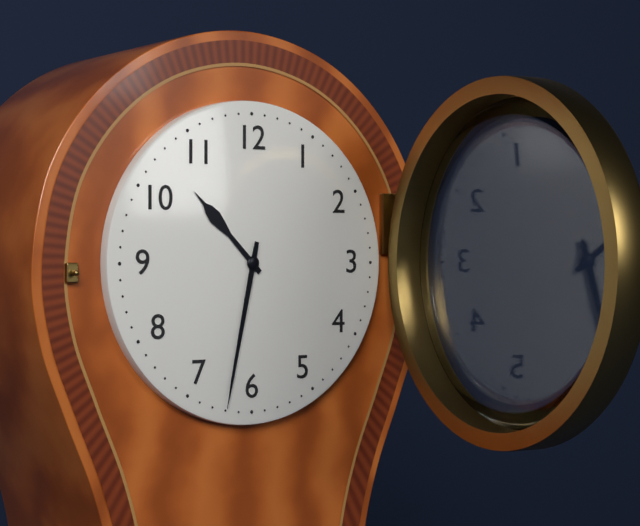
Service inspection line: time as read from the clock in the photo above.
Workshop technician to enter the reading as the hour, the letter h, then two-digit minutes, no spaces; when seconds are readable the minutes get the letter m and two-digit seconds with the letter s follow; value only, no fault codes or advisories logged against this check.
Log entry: 10h32
